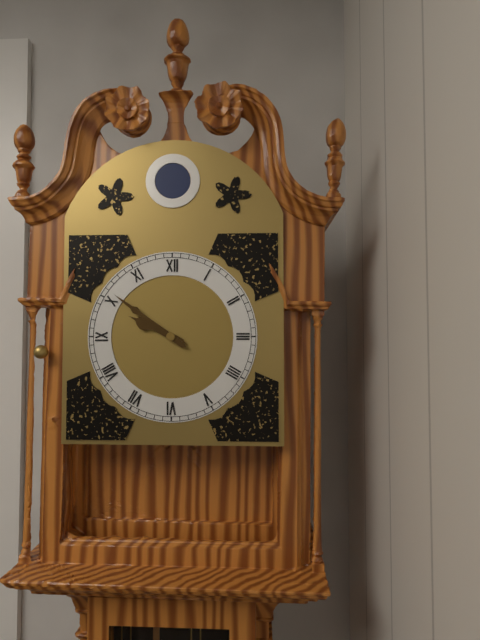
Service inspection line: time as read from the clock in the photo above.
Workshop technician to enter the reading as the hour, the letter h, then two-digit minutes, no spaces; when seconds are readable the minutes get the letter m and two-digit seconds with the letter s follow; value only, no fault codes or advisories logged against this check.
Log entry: 9h51
